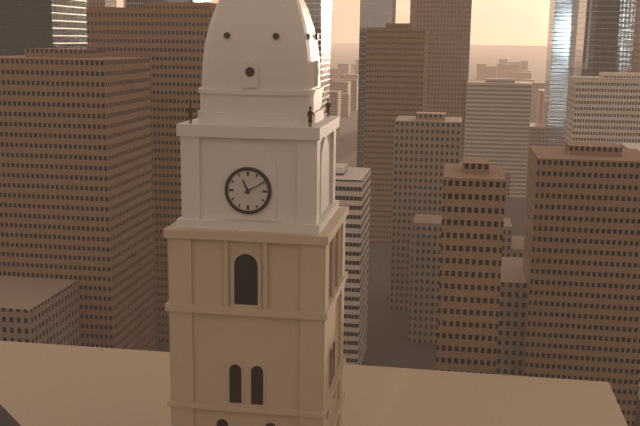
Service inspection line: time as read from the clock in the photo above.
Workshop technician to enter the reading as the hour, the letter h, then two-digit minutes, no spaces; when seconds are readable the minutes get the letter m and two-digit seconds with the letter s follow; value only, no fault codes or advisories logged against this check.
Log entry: 11h10
